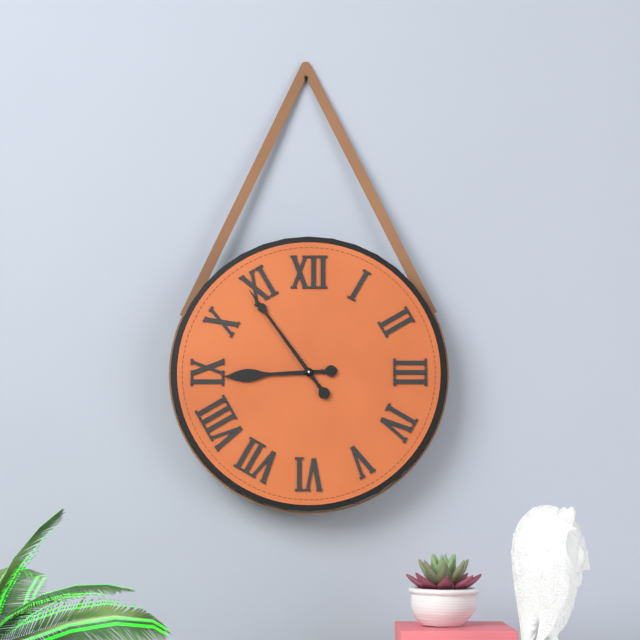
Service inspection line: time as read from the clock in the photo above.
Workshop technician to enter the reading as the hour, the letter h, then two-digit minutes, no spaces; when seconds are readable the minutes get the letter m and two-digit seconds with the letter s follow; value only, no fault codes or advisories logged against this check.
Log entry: 8h54
